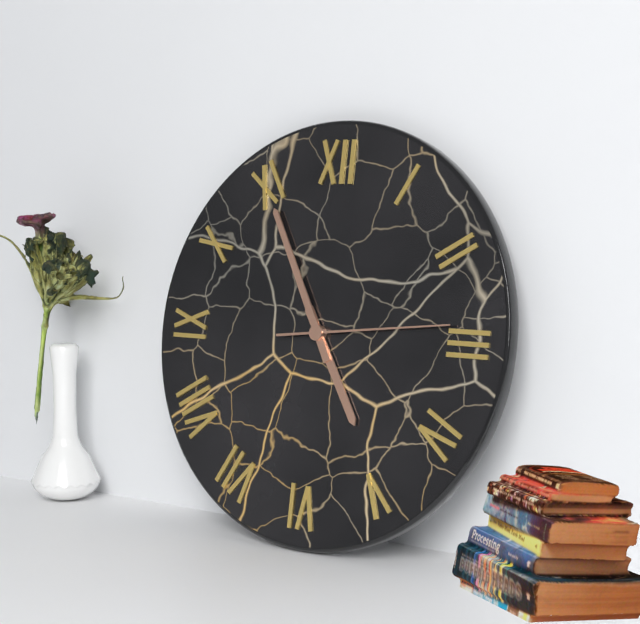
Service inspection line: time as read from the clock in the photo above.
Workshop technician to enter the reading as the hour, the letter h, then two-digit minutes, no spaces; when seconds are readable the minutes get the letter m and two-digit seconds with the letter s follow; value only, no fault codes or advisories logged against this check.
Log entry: 4h55m14s
